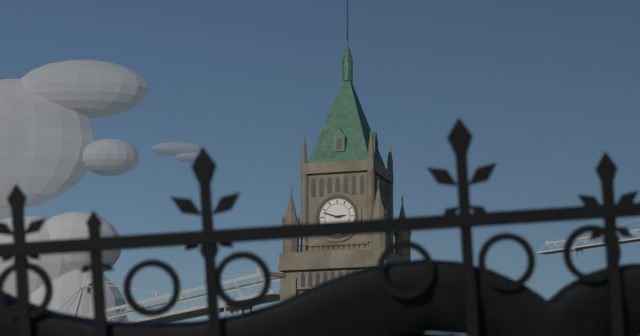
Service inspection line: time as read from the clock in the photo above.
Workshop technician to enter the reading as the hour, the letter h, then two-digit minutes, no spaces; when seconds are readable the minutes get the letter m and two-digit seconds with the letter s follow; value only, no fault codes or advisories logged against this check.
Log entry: 2h48
